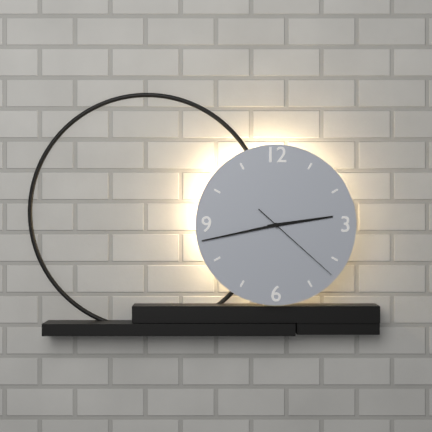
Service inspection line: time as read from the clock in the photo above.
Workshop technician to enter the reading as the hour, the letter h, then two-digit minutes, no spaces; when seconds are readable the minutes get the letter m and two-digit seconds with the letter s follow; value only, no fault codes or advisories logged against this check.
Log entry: 2h43m22s
